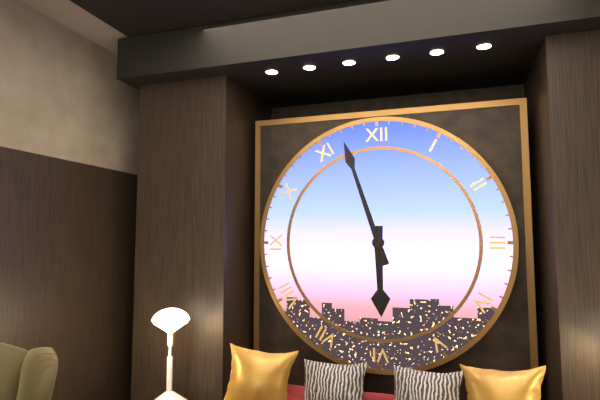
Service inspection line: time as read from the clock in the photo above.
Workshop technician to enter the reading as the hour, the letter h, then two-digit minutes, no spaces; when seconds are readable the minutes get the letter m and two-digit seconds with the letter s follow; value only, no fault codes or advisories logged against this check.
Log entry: 5h57
